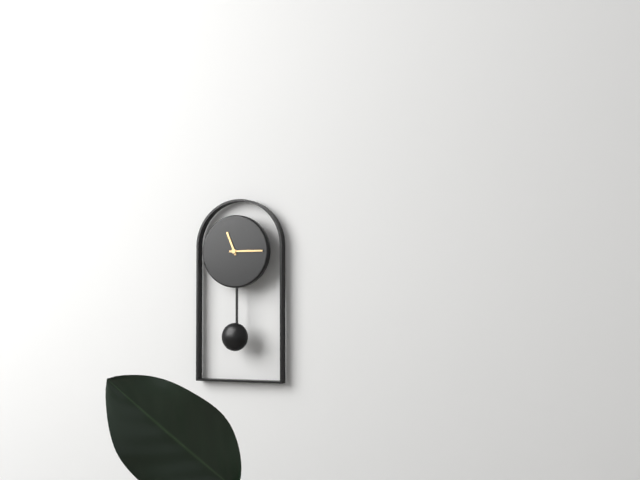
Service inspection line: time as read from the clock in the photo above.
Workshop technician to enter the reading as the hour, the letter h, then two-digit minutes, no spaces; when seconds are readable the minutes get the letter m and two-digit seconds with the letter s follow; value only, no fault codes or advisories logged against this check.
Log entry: 11h15
